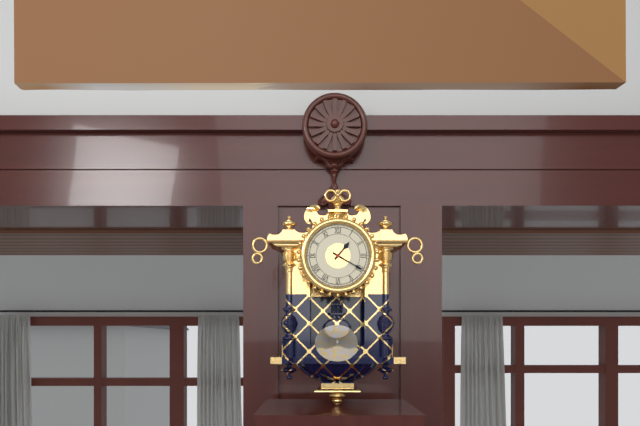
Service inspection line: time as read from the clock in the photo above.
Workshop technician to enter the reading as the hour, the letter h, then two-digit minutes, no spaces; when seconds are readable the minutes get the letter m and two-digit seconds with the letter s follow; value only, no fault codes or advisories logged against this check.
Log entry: 1h20
